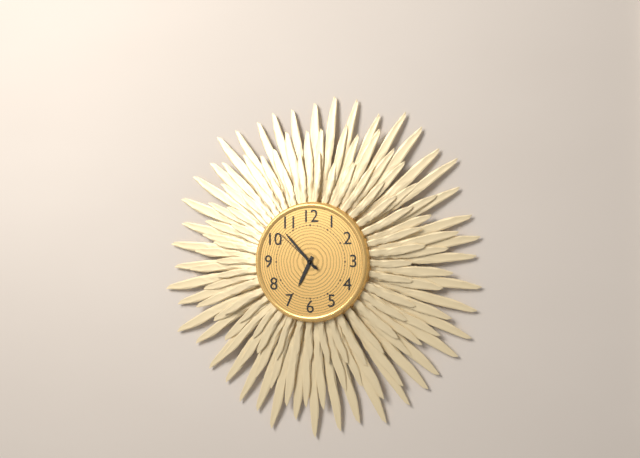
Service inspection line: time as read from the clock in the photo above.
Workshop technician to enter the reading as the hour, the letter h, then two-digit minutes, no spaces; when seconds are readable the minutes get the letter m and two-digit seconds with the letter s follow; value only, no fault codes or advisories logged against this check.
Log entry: 6h53m52s
